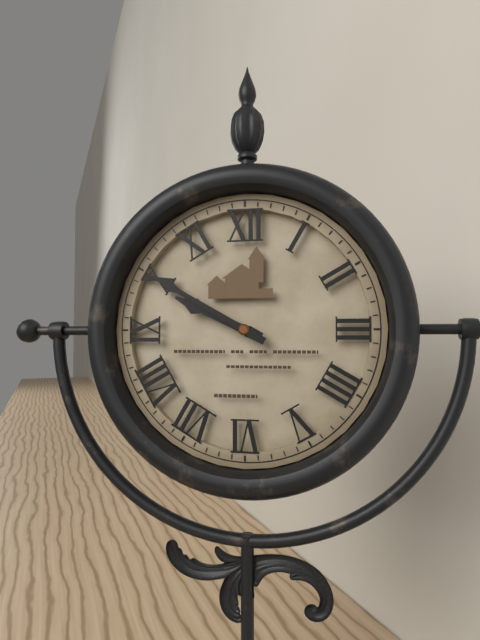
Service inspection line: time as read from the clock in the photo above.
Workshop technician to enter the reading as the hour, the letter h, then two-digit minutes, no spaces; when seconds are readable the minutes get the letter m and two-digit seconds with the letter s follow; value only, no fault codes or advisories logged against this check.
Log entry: 9h50
